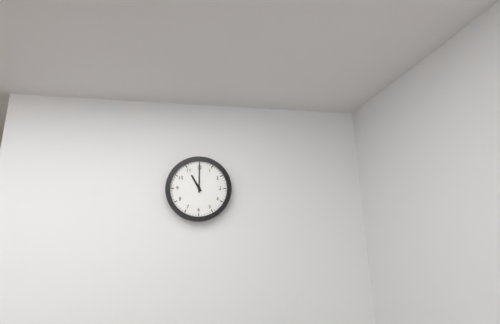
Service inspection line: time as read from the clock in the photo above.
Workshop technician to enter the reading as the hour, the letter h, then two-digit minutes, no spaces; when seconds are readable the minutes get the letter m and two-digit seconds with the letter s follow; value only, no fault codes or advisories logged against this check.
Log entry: 11h00
